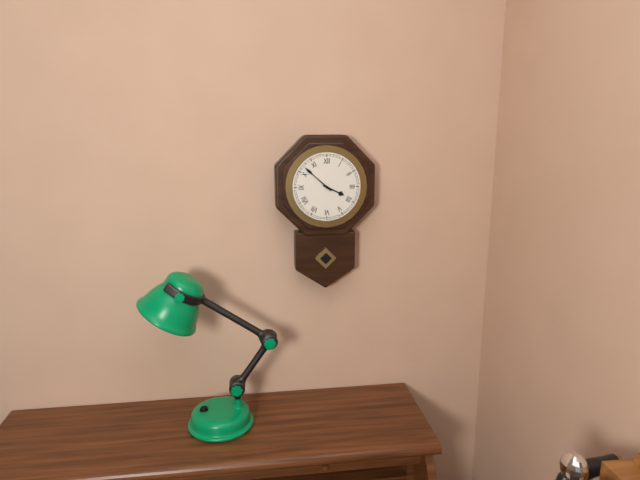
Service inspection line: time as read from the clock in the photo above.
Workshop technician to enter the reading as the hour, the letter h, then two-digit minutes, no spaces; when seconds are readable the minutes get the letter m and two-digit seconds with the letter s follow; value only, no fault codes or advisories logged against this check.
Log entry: 3h52
